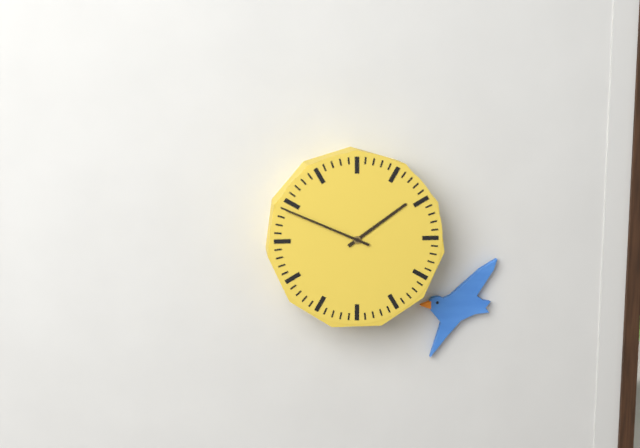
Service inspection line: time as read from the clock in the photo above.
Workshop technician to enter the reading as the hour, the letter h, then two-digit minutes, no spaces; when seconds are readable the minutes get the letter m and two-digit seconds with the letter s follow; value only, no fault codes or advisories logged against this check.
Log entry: 1h49
